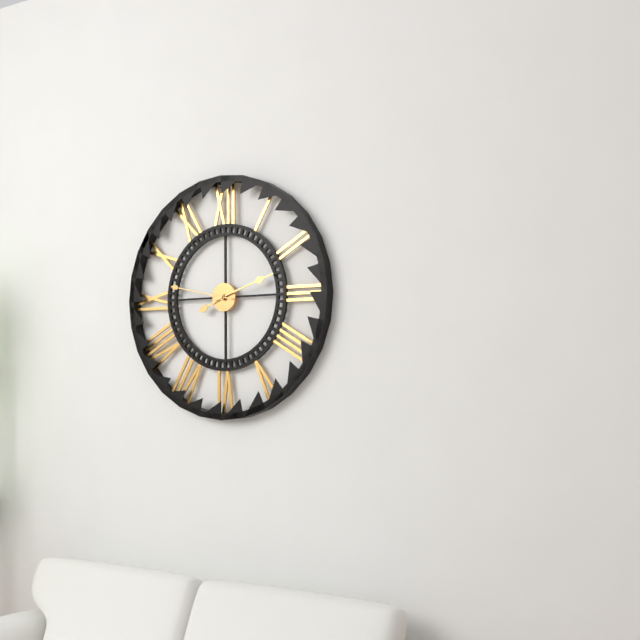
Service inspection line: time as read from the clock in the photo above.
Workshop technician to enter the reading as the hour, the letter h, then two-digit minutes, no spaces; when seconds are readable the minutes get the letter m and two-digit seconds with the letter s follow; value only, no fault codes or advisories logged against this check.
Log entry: 8h12m47s
